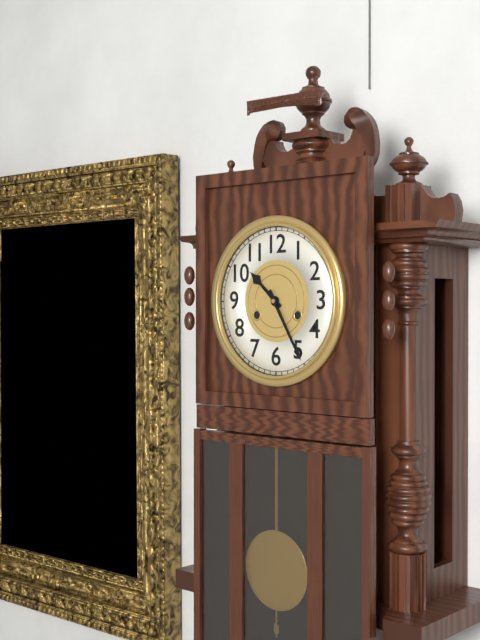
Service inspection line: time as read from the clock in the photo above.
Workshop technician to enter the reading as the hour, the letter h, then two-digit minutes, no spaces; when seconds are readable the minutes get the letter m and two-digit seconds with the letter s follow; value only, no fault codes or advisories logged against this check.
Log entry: 10h25
